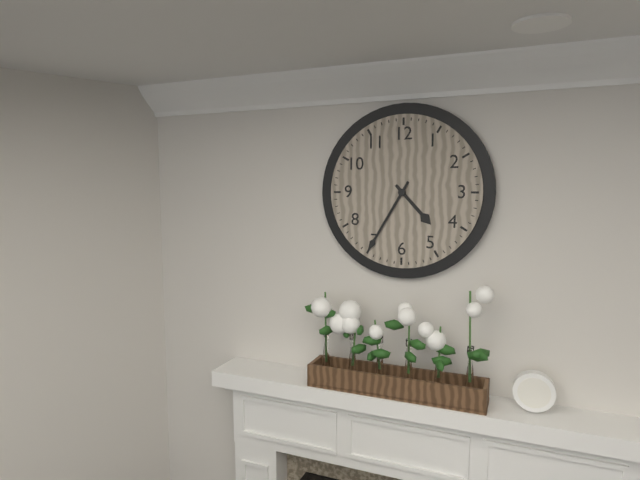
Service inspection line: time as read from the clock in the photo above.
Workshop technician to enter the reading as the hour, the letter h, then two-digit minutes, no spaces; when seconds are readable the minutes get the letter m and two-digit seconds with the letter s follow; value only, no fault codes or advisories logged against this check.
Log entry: 4h35
